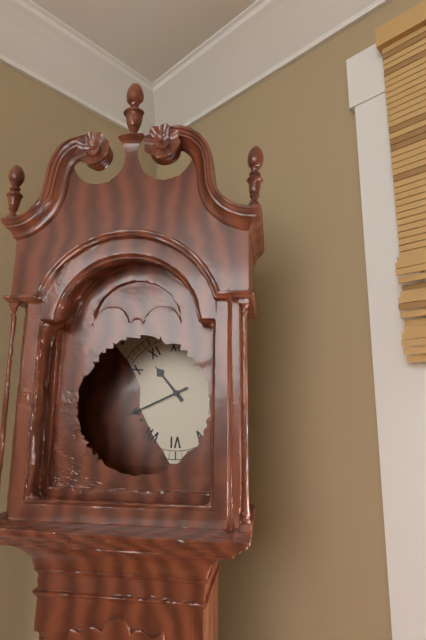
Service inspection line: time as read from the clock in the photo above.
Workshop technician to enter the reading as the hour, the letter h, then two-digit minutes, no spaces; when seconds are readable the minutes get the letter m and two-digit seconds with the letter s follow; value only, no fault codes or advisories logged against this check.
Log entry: 10h41
